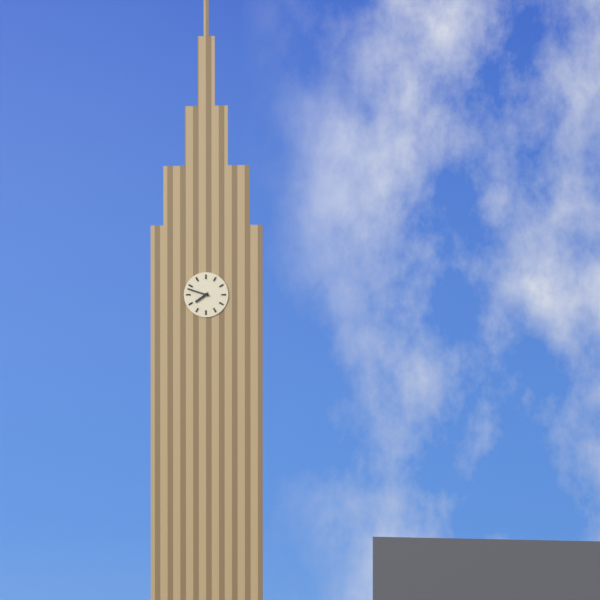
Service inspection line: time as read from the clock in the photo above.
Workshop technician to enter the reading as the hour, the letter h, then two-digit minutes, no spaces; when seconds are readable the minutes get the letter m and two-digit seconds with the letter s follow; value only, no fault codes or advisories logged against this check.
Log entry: 7h48
